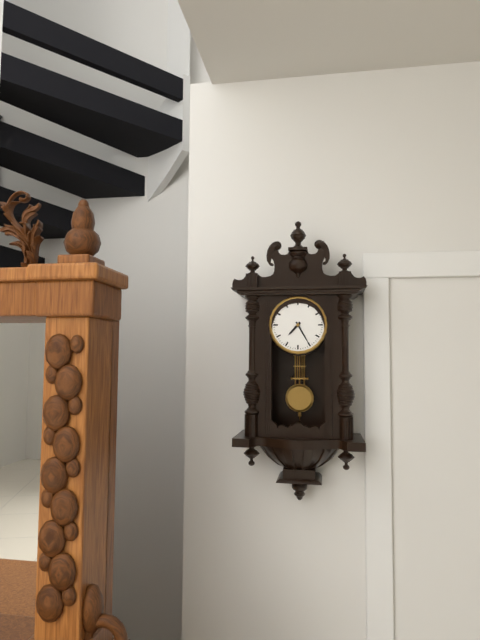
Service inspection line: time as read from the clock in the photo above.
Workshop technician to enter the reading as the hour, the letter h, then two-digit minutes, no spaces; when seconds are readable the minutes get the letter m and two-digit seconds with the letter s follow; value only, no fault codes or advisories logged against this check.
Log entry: 7h25
